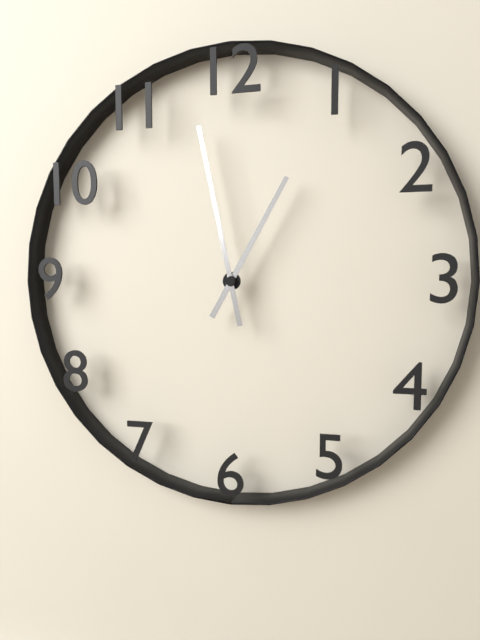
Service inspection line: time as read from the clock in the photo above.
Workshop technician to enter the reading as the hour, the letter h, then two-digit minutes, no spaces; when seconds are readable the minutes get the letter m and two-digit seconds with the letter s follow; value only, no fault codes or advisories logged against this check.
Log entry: 12h58
